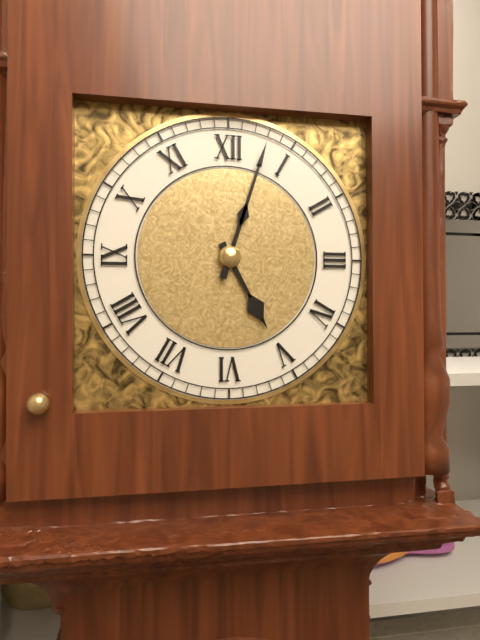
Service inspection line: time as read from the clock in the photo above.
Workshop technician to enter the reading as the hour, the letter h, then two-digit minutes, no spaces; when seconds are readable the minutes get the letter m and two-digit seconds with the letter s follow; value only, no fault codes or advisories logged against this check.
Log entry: 5h03
